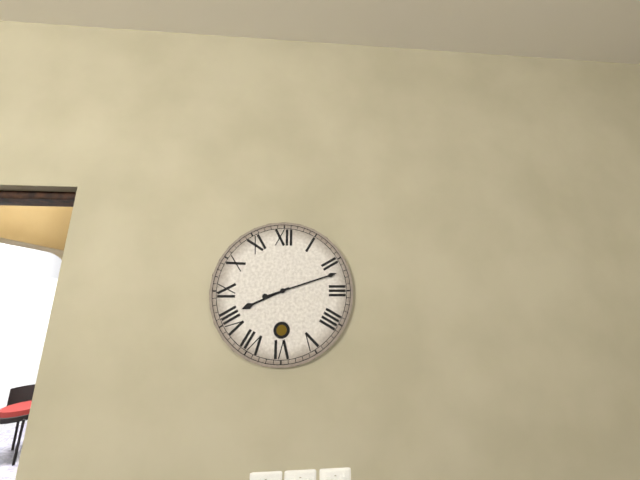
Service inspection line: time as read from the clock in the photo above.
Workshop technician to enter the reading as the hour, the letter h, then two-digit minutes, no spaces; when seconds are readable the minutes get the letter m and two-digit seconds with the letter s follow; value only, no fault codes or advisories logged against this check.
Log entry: 8h12
